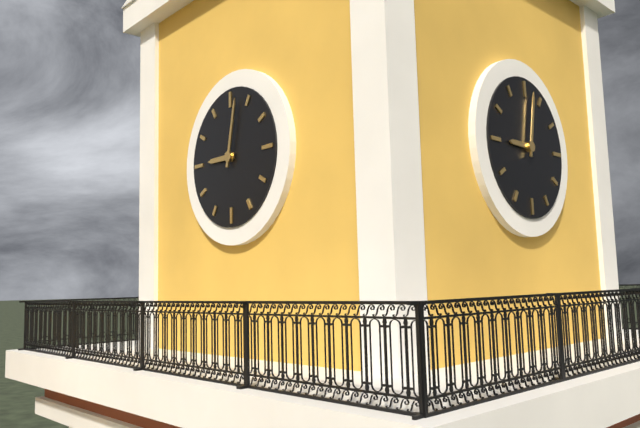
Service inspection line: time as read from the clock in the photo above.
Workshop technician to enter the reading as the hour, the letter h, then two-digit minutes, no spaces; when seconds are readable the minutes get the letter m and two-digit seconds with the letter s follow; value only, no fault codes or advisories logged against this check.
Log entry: 9h02
